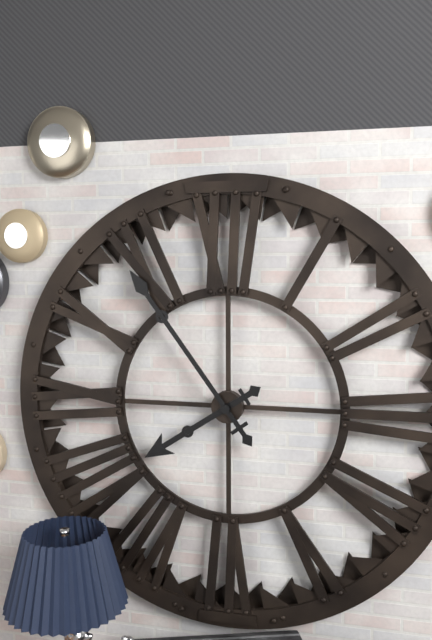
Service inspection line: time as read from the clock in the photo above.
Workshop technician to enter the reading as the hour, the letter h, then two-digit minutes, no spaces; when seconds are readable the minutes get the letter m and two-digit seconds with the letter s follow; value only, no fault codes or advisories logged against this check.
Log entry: 7h54
